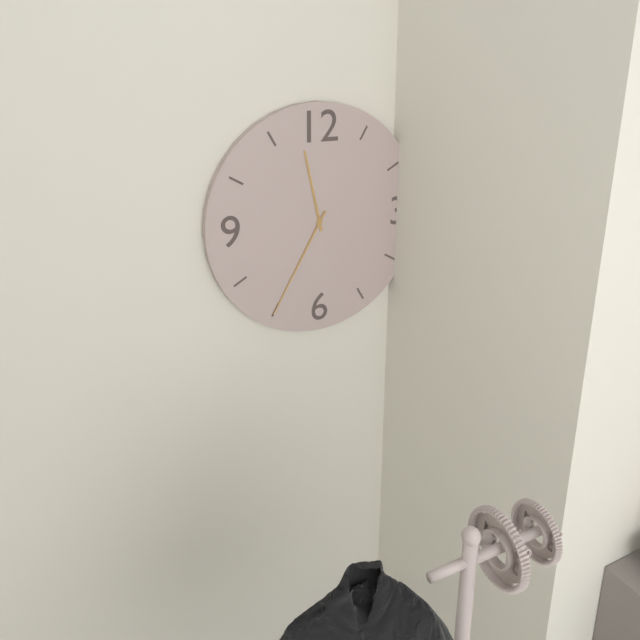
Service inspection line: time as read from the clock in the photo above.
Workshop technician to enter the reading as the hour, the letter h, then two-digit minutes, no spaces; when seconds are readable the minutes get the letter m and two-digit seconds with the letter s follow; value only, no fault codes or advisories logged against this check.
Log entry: 11h35
